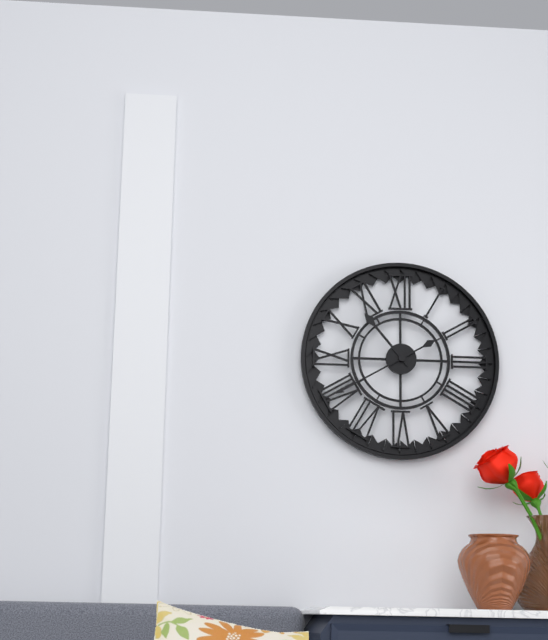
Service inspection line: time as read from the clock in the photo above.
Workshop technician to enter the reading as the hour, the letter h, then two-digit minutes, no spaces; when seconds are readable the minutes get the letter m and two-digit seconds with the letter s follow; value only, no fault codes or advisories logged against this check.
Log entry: 10h40
